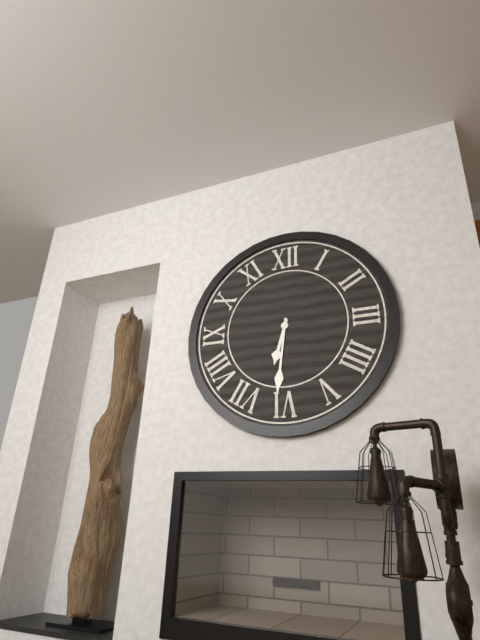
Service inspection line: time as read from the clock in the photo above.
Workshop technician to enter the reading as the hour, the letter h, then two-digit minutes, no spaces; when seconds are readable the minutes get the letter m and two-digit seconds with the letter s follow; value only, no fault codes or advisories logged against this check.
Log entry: 6h31
